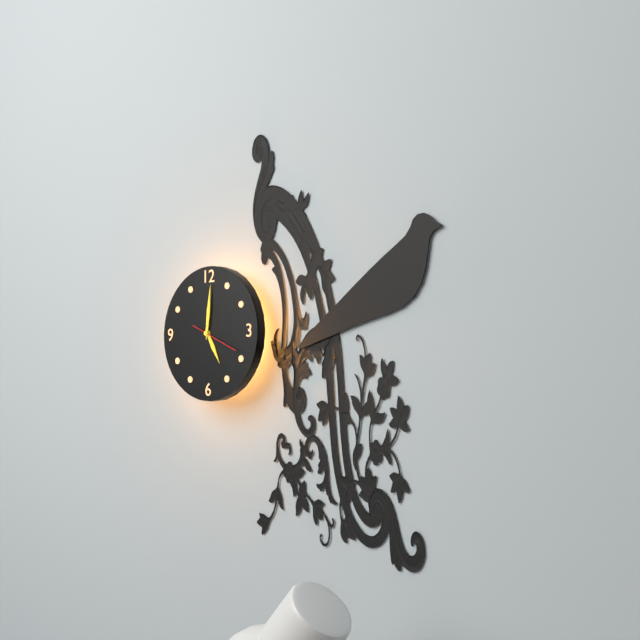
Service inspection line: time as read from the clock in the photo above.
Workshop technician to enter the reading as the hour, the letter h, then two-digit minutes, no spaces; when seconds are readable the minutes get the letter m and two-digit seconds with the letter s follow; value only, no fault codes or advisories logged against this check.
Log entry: 5h01
